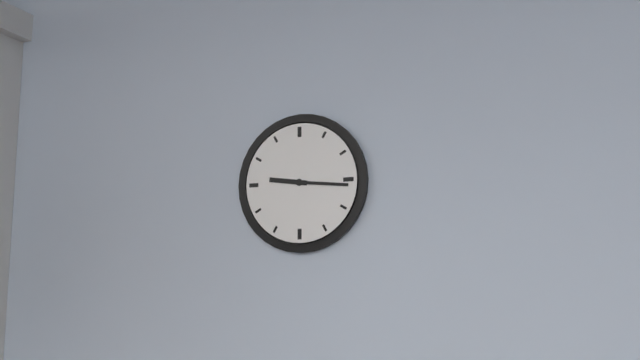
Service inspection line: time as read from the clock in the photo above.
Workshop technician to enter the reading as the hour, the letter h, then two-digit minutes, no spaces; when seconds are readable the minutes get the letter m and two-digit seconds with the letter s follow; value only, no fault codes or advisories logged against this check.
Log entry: 9h16
